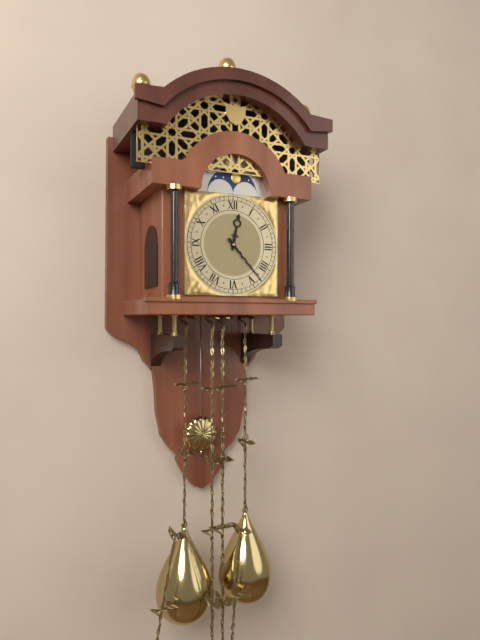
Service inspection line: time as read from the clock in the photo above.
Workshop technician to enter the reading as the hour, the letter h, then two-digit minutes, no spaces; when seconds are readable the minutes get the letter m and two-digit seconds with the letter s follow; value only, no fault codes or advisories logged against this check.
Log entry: 12h23
